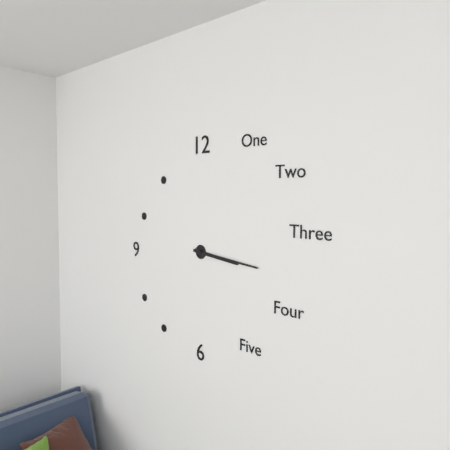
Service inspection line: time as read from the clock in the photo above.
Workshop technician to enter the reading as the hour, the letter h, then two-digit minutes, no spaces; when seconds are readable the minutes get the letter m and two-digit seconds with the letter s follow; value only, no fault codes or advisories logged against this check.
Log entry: 3h16
